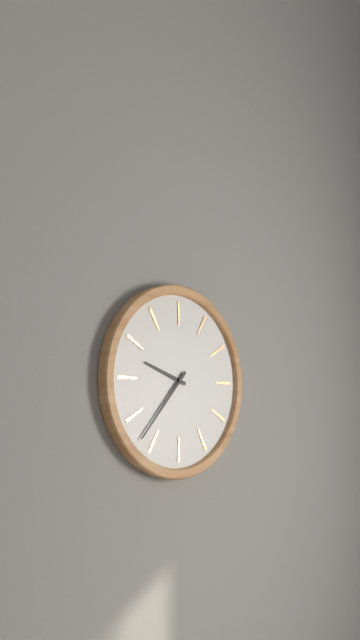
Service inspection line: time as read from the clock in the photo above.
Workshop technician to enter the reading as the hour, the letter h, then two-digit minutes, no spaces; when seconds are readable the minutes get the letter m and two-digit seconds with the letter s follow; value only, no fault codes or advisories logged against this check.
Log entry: 9h37
